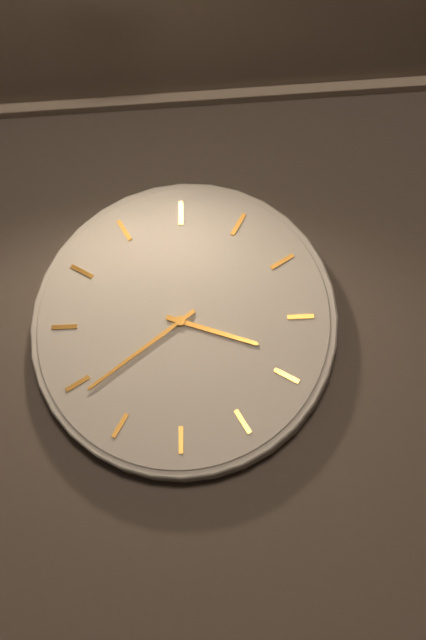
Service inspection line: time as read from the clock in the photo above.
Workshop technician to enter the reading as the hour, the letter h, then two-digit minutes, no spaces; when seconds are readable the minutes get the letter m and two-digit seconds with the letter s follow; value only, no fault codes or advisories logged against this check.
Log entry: 3h39
